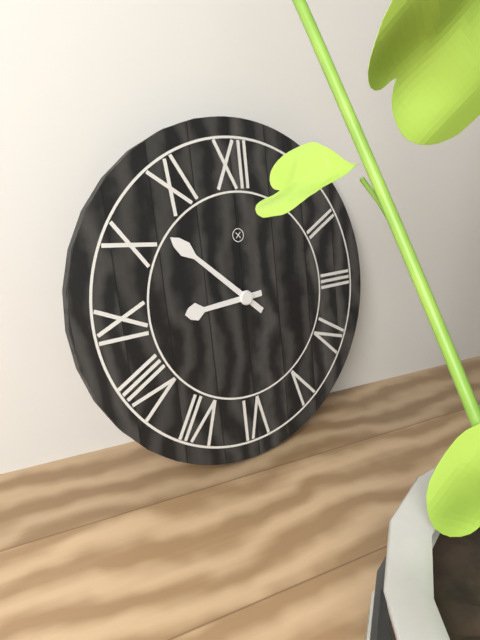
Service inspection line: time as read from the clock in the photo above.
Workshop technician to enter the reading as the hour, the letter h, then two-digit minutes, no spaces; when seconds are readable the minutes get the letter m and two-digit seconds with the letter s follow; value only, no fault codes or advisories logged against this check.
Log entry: 8h52
